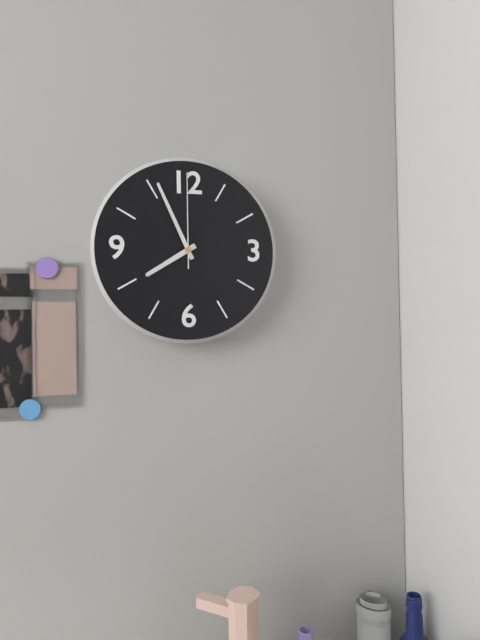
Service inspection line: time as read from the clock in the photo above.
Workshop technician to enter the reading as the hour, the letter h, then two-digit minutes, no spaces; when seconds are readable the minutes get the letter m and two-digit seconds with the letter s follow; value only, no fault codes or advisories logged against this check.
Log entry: 7h56m00s
